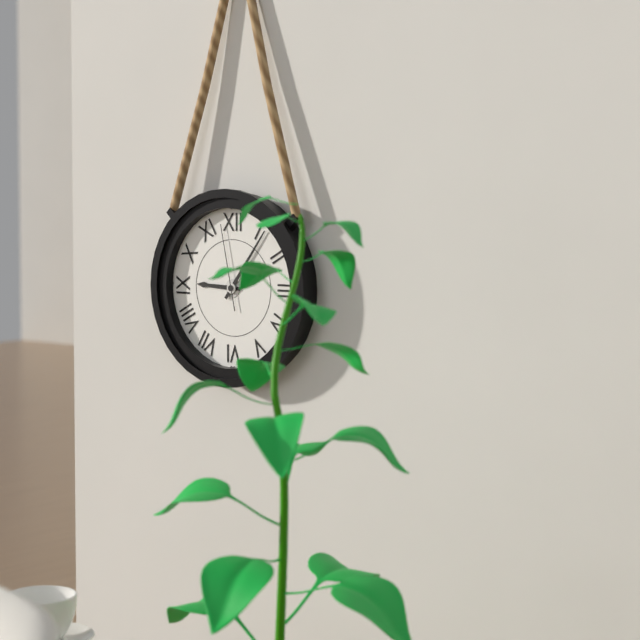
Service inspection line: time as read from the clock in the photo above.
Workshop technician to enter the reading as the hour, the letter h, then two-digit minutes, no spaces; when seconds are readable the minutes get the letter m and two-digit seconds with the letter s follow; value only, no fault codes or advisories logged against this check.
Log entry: 9h06m58s
